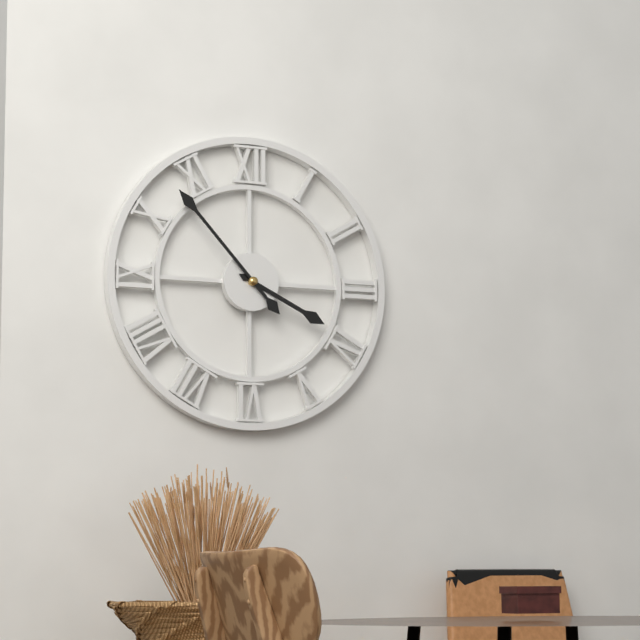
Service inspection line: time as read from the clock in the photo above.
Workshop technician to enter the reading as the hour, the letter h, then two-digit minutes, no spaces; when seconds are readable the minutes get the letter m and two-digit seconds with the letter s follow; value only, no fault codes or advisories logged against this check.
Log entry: 3h53
